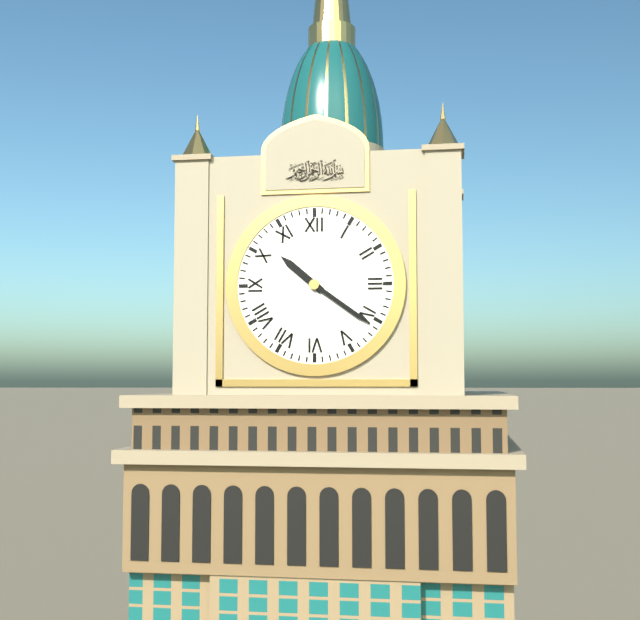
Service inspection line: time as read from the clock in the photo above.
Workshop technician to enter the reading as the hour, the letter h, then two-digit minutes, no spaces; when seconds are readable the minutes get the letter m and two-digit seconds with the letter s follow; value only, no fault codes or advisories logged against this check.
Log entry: 10h21
